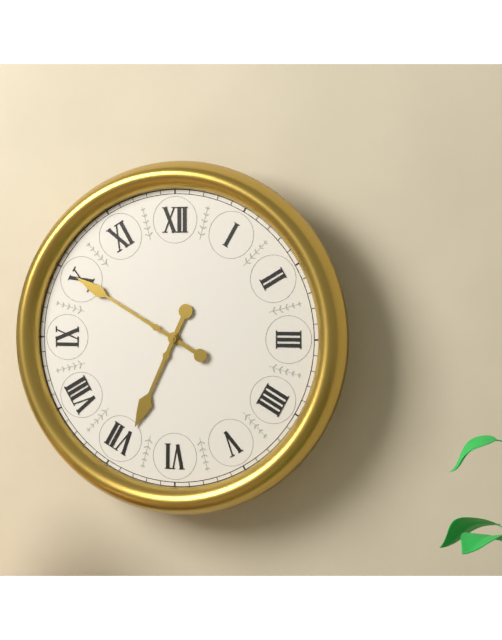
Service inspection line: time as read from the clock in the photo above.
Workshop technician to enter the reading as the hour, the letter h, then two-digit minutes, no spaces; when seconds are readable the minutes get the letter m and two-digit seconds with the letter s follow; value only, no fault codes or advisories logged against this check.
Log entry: 6h50
